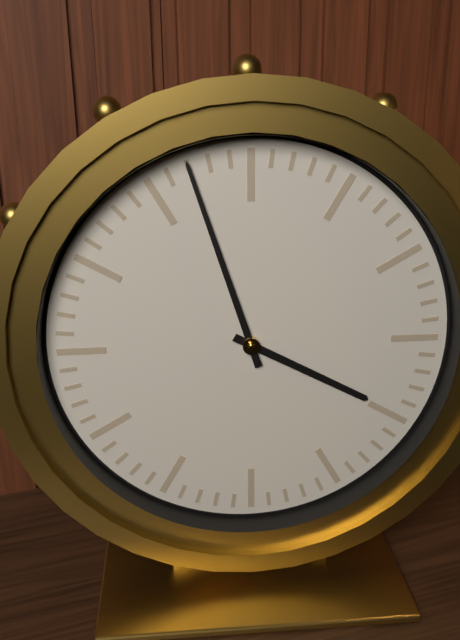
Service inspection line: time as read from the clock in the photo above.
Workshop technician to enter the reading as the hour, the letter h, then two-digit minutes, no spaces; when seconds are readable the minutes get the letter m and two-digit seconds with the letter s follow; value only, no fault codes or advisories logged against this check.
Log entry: 3h57
